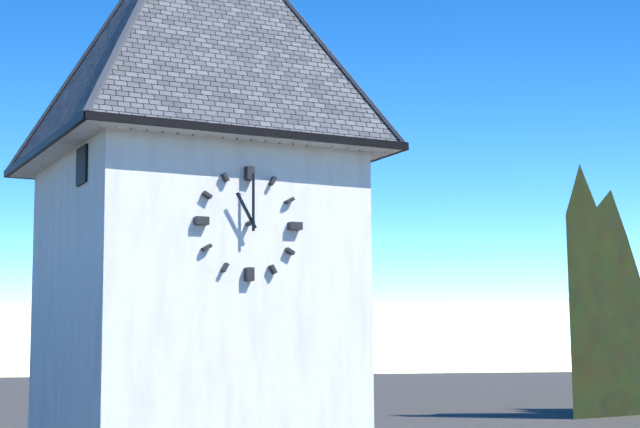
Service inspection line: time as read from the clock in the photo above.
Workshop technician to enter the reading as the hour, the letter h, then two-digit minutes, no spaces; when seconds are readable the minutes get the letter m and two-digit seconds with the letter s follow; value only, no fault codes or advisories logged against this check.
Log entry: 11h00
